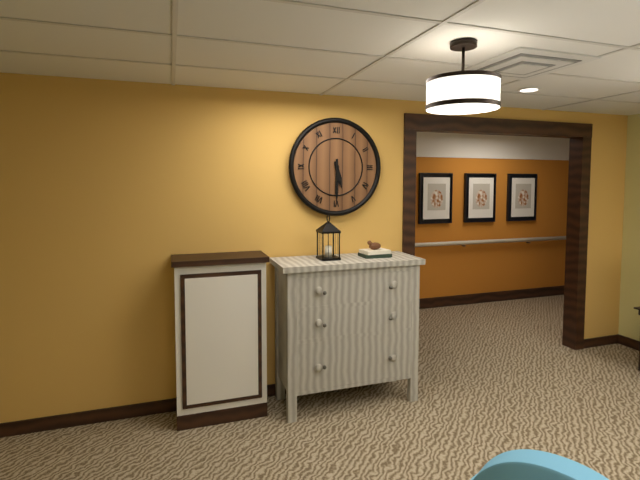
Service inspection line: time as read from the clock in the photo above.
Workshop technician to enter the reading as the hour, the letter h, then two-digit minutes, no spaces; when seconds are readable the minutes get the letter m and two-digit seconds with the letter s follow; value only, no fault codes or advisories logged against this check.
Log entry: 5h30
